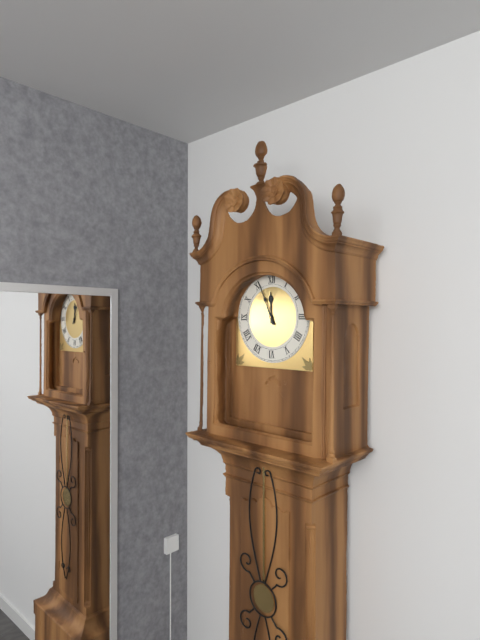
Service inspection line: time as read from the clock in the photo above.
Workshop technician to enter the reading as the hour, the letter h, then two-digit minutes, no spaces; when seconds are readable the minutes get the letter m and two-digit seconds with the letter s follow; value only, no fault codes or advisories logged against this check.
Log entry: 11h56
